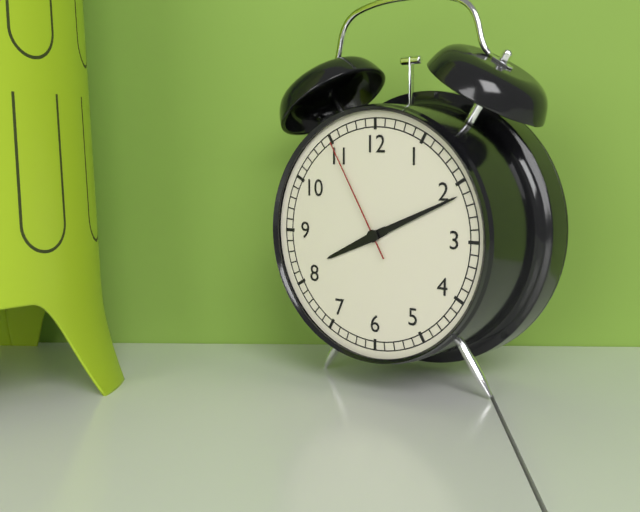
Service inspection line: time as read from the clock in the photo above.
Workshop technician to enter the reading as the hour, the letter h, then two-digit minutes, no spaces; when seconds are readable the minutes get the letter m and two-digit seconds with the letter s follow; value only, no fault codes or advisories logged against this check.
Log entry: 8h11m55s
